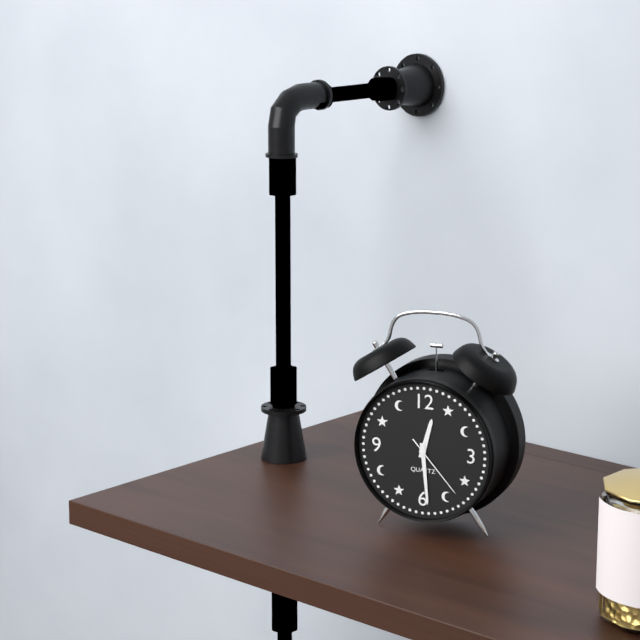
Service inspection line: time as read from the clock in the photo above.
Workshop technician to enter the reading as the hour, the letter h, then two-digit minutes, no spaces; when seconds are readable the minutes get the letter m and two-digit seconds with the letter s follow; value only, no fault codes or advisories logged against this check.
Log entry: 12h29m23s
